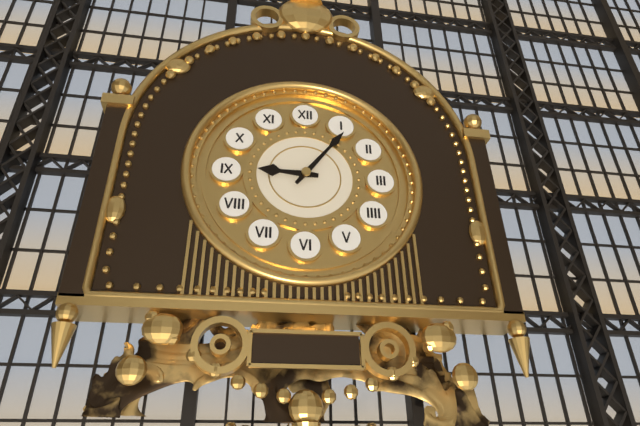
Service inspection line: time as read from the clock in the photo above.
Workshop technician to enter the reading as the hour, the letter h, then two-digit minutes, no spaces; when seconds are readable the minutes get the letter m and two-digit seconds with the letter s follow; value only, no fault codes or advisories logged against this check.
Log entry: 9h06
